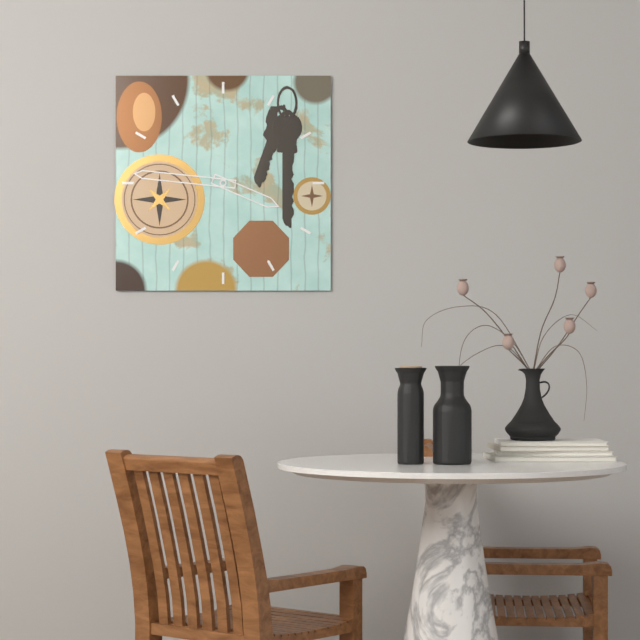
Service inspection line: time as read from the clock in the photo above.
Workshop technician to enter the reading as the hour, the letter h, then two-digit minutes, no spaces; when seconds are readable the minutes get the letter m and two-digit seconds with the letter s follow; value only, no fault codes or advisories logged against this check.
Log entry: 3h46
